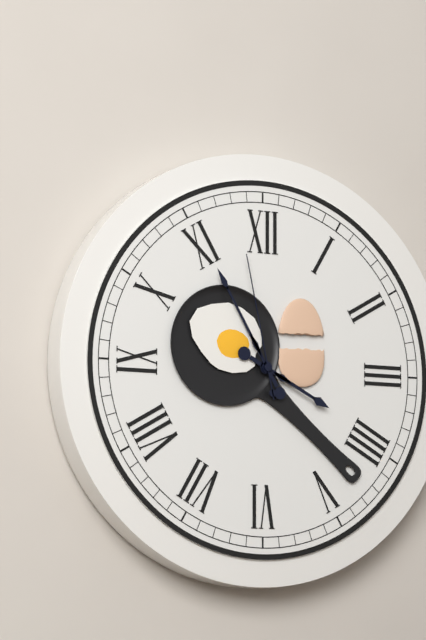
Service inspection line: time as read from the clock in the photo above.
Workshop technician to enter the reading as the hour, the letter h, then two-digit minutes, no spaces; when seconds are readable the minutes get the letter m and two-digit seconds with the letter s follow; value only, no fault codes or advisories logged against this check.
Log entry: 3h55m58s
